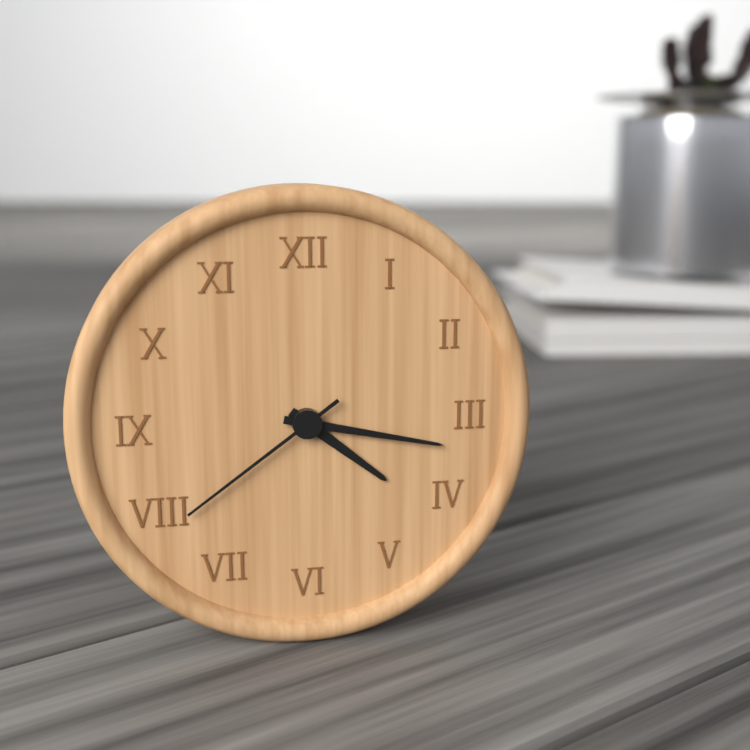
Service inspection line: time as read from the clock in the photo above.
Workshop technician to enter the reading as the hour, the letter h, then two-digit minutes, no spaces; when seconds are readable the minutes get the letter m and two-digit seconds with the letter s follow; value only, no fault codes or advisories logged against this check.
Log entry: 4h17m39s
